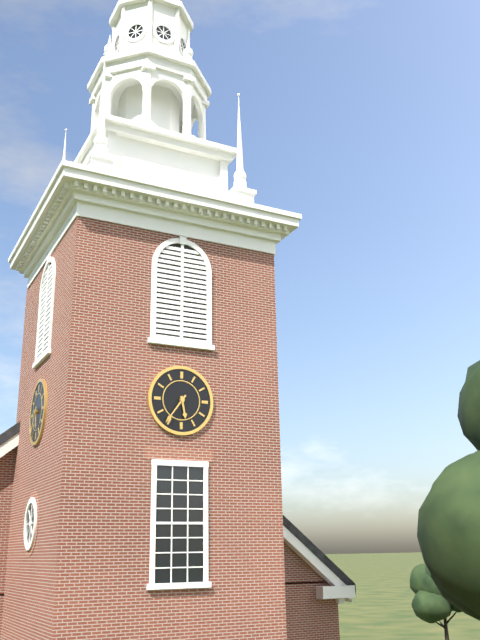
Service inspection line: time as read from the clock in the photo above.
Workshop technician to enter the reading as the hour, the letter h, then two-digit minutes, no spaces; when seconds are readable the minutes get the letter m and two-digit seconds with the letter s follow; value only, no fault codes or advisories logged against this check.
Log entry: 5h36
